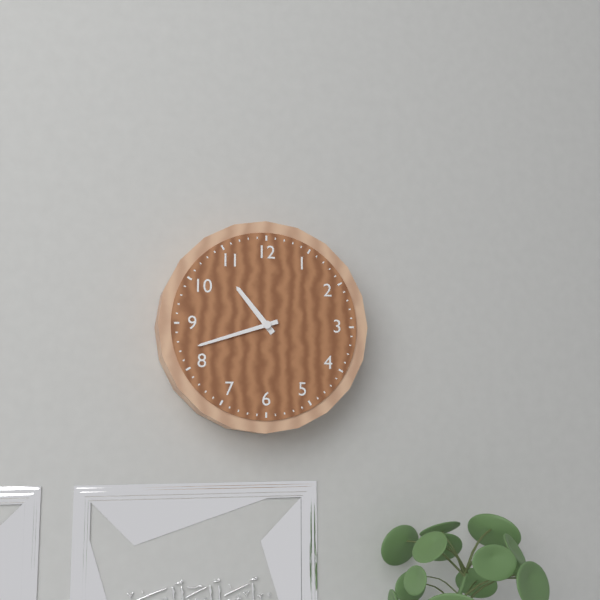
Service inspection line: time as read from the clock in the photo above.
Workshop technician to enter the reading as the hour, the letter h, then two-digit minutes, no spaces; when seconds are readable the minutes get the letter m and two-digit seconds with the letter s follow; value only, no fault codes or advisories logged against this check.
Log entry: 10h42
